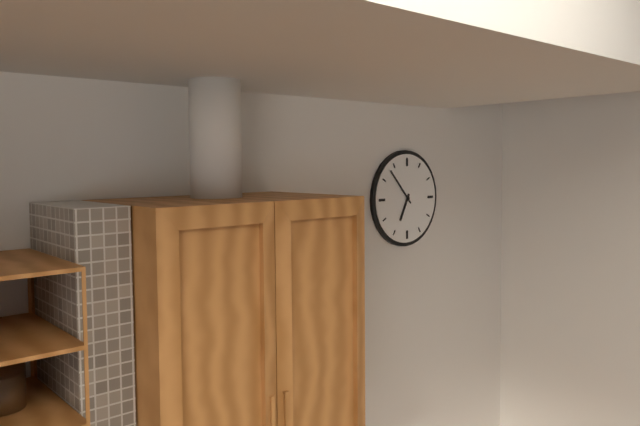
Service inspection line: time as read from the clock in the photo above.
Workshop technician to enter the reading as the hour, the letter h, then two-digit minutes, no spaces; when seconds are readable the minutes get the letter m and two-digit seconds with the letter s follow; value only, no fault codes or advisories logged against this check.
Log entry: 6h53
